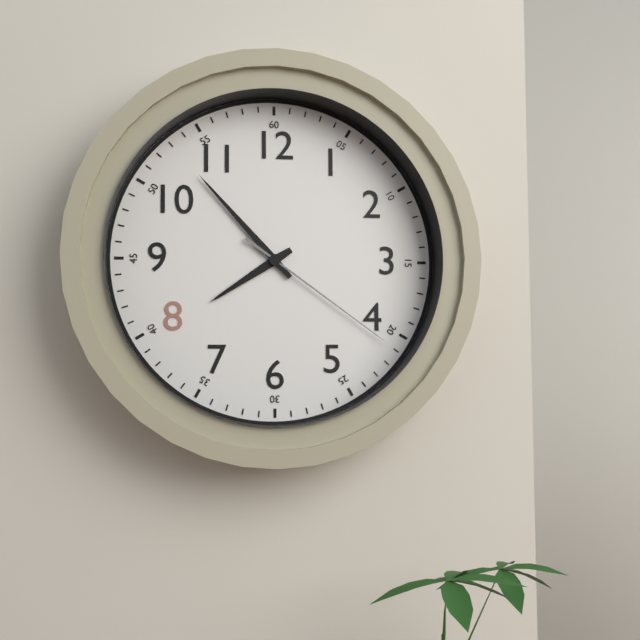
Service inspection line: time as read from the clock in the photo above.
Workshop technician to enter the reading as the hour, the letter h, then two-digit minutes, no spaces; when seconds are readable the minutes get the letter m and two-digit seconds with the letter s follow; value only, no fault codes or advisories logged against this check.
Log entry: 7h53m21s
